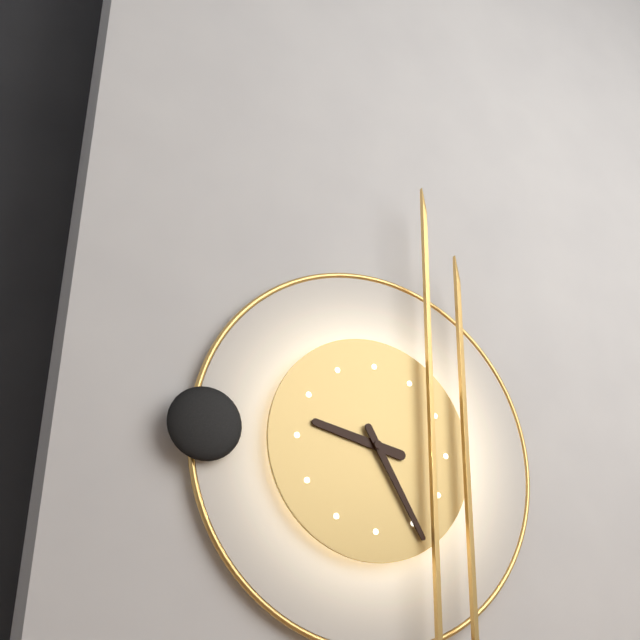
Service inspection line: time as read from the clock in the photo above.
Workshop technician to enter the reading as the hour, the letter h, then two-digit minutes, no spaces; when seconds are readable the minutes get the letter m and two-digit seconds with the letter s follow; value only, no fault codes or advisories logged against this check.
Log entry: 9h25
